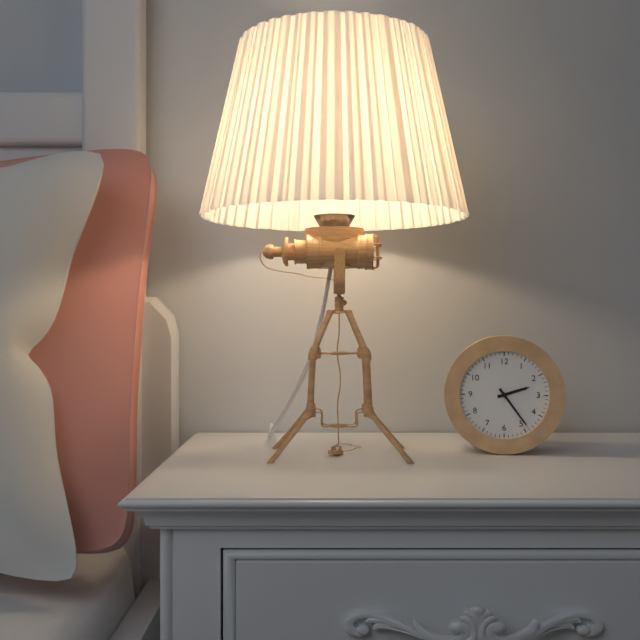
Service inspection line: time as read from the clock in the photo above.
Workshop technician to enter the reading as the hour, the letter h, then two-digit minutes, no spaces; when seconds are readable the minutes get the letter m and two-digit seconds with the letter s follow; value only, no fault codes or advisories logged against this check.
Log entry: 2h24
